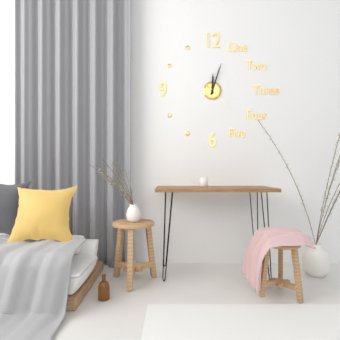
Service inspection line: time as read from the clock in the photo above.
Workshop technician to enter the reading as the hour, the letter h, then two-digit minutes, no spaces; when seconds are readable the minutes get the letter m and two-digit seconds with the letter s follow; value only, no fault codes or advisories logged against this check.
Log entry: 12h03
